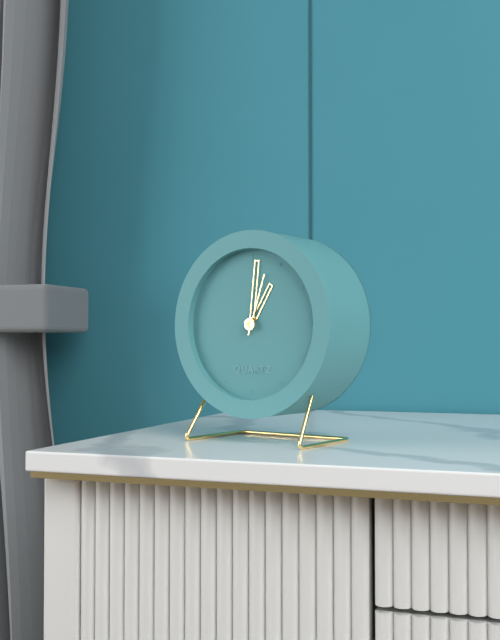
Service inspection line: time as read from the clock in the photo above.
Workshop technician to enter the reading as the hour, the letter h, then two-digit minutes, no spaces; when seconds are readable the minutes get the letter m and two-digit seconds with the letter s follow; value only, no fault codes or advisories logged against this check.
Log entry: 1h01m03s
